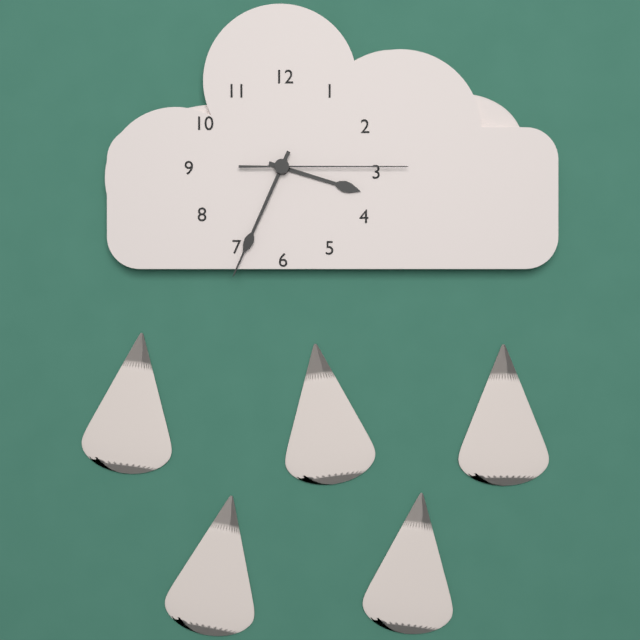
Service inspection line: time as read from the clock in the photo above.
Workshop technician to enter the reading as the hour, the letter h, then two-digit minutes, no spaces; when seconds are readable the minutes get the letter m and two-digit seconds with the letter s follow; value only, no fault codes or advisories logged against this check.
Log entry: 3h34m15s
